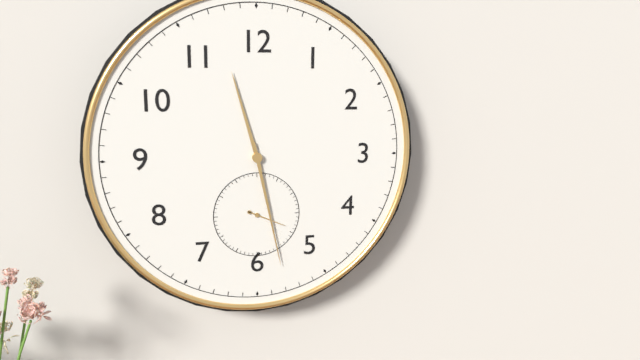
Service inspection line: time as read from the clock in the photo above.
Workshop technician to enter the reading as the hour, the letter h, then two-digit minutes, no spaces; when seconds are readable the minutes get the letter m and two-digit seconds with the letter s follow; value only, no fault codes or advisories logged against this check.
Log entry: 11h28
